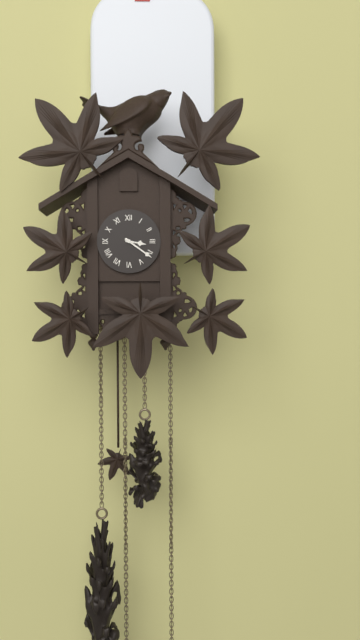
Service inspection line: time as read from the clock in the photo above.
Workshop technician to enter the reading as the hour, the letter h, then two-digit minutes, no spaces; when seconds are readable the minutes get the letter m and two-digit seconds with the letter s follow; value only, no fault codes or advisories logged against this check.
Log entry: 3h21
